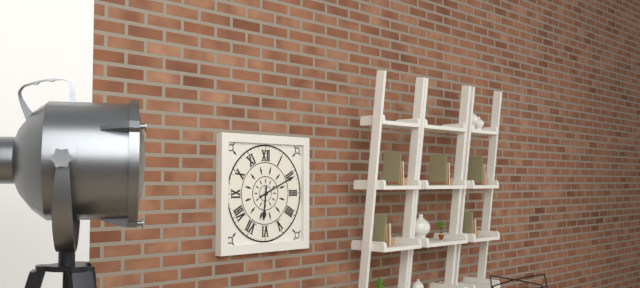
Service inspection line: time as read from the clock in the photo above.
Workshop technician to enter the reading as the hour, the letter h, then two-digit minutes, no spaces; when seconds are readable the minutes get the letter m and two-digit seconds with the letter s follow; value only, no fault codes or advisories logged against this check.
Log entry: 6h11
